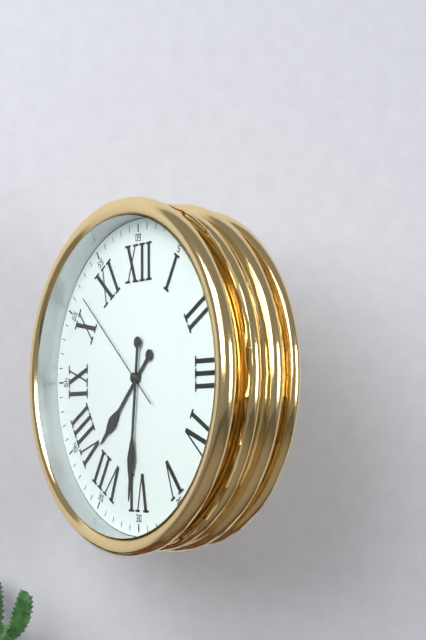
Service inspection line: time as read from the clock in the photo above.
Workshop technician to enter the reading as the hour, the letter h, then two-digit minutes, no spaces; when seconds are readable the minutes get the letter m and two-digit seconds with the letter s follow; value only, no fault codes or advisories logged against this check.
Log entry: 7h31m52s
